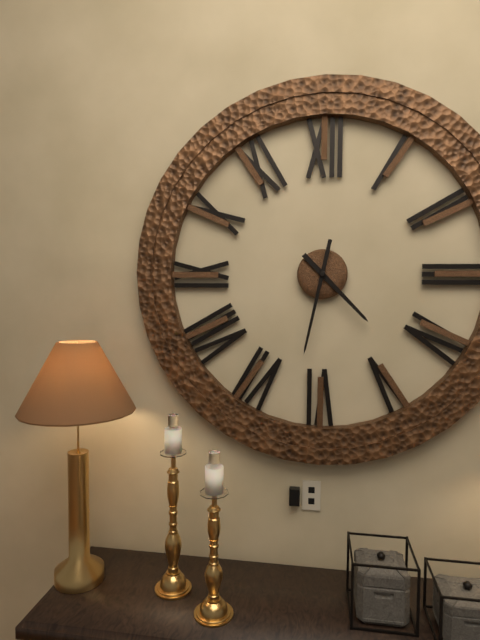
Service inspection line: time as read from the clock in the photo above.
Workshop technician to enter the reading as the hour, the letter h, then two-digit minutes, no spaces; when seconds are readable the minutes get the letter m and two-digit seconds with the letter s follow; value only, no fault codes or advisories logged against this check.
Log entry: 4h32
